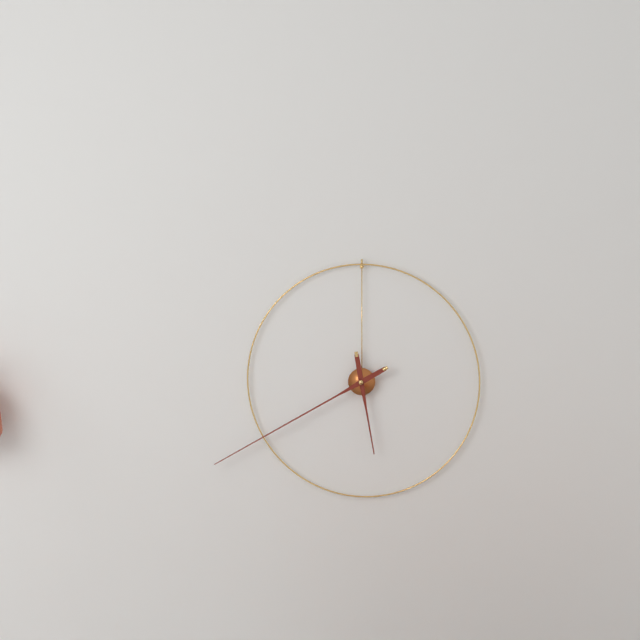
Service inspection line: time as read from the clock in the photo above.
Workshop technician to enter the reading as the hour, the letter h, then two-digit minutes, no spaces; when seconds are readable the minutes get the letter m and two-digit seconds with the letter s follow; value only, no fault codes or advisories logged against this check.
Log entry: 5h40
